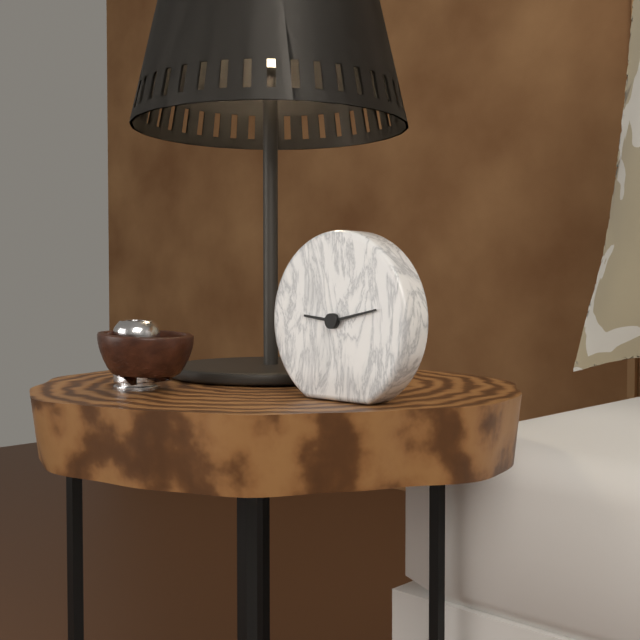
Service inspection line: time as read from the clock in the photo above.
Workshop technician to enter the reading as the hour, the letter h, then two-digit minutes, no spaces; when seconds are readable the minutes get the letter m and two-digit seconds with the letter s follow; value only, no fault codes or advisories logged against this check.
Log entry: 9h13
